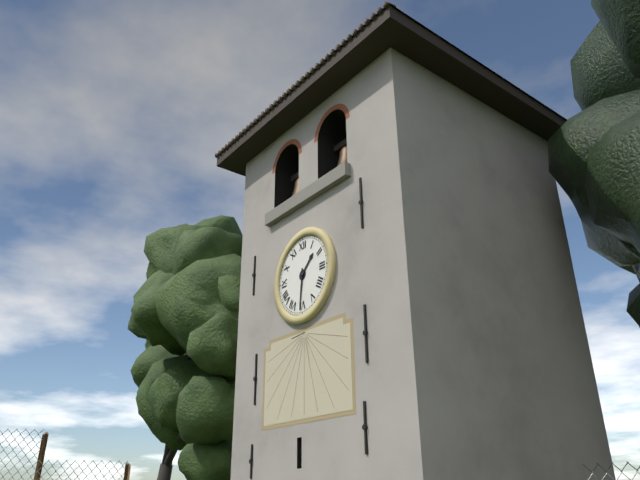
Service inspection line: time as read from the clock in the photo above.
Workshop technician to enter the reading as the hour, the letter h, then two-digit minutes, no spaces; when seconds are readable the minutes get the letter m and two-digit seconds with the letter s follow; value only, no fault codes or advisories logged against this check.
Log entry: 1h31
